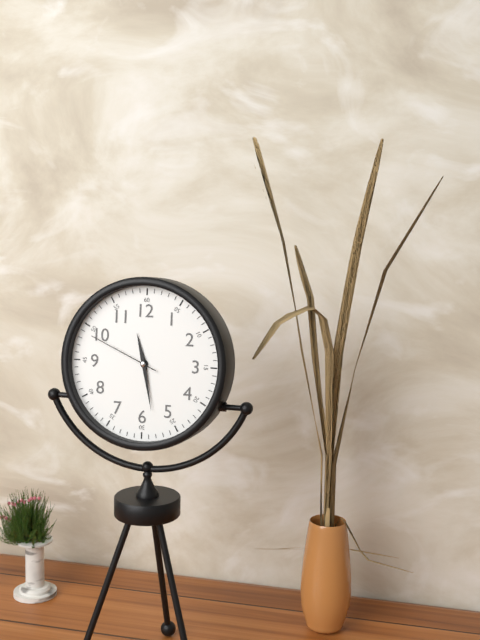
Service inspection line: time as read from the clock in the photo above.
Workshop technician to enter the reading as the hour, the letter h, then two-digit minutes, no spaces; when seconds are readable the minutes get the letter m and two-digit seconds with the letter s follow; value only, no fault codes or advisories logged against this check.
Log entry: 11h28m49s
